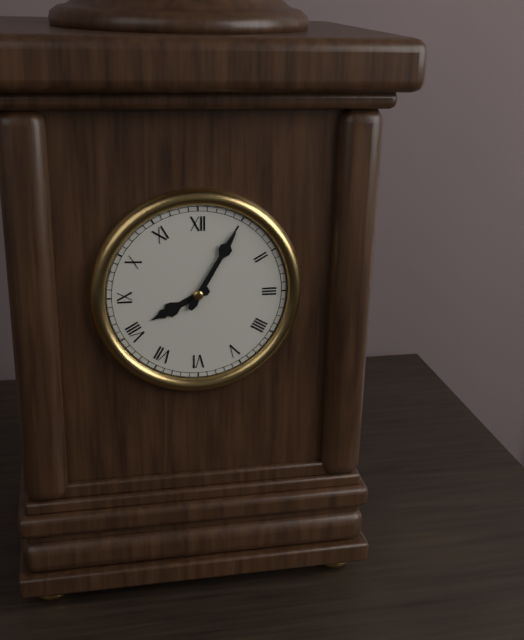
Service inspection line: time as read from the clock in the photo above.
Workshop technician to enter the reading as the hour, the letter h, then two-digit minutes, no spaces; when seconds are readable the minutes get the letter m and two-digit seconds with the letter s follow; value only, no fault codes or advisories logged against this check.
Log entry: 8h05
